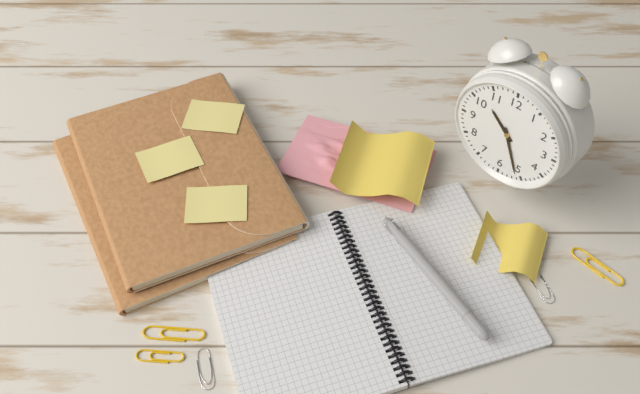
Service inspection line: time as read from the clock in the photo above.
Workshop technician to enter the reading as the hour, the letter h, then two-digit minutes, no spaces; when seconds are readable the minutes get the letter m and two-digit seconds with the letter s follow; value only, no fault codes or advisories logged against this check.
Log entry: 10h26
